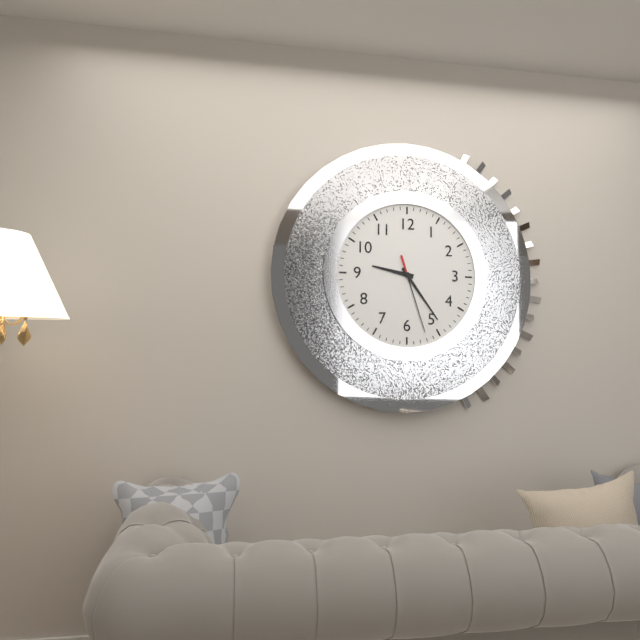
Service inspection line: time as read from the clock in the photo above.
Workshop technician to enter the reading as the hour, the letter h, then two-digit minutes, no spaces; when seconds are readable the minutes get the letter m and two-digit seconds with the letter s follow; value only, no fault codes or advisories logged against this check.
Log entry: 9h24m27s
